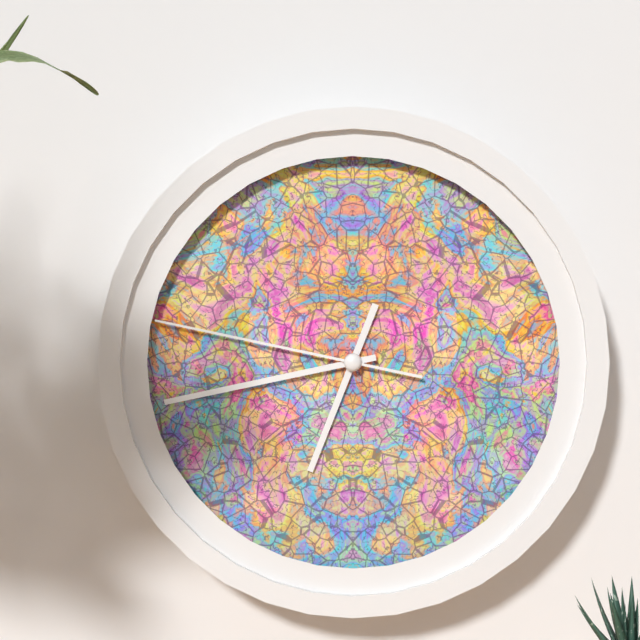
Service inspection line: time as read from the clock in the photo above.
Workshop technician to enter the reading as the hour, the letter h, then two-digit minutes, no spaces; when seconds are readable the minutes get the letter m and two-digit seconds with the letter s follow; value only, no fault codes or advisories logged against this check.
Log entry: 6h43m47s
